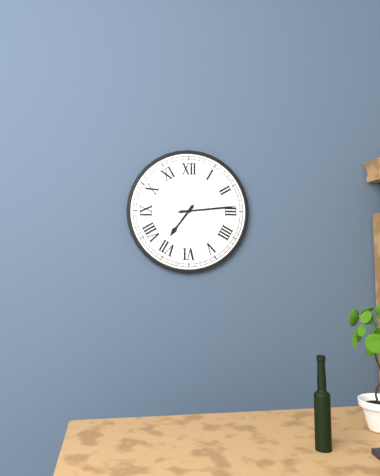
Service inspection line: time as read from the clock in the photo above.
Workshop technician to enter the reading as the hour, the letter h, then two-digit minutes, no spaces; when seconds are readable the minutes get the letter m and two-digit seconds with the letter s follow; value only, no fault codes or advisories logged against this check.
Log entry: 7h14
